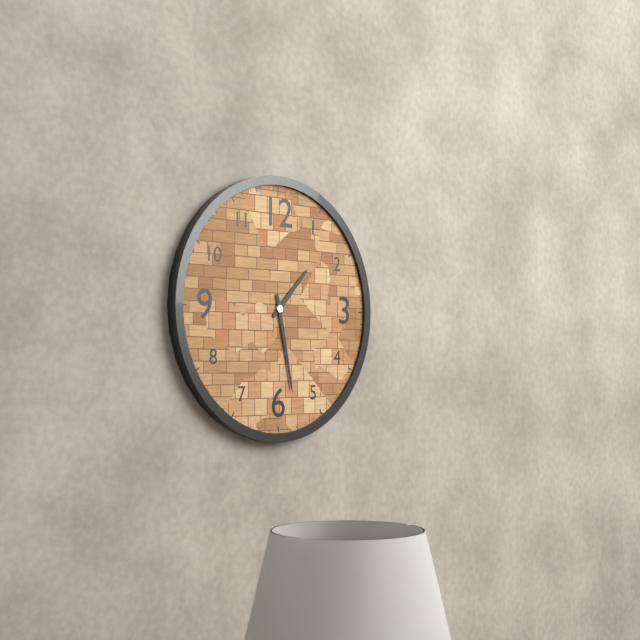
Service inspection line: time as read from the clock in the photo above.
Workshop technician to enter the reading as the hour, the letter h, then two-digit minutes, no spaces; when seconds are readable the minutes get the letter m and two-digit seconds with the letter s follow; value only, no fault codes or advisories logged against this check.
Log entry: 1h28
